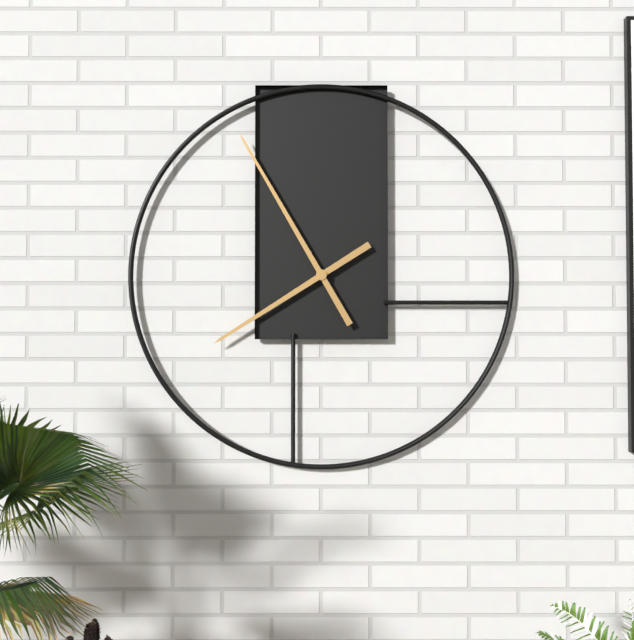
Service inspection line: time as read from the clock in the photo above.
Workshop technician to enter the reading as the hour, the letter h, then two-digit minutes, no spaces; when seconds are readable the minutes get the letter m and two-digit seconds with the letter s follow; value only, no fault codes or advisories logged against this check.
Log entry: 7h55
